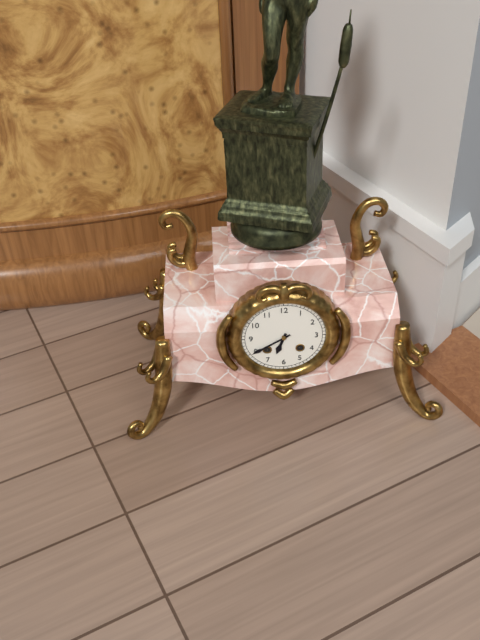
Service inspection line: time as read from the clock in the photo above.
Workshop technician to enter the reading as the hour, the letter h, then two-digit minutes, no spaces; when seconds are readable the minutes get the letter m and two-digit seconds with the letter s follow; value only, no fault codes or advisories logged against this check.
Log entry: 6h40
